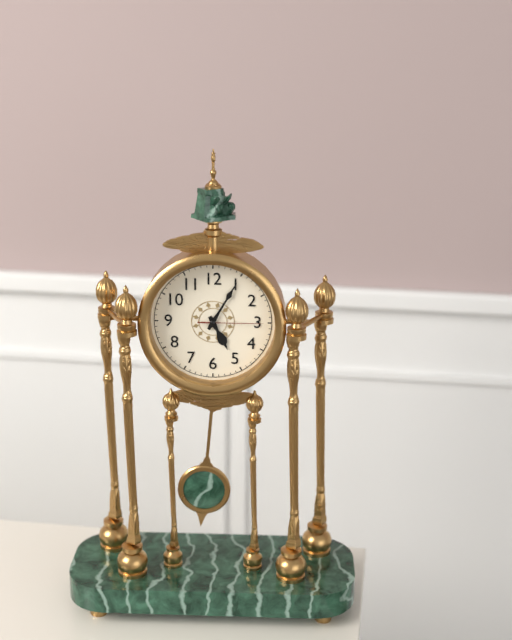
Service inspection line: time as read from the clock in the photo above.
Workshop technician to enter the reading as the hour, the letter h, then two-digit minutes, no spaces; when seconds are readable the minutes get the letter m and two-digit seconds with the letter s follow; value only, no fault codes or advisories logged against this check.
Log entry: 5h05m15s
